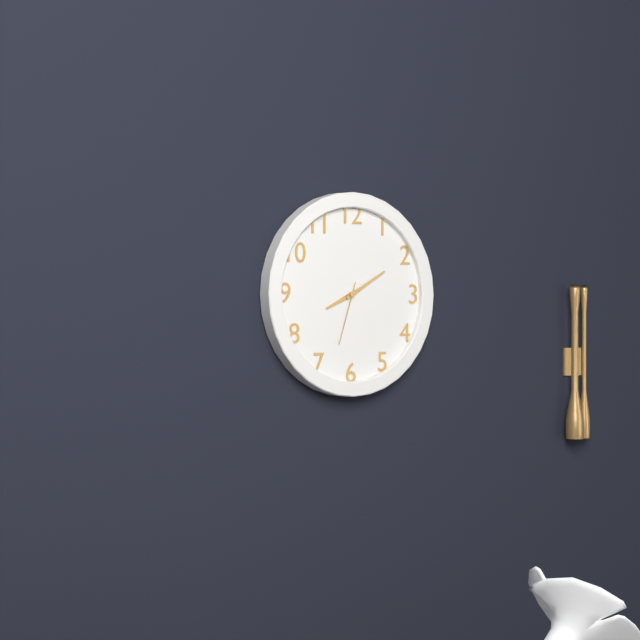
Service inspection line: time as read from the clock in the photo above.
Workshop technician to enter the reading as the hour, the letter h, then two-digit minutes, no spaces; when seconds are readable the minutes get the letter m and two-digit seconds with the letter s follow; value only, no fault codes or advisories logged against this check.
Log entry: 8h10m33s
